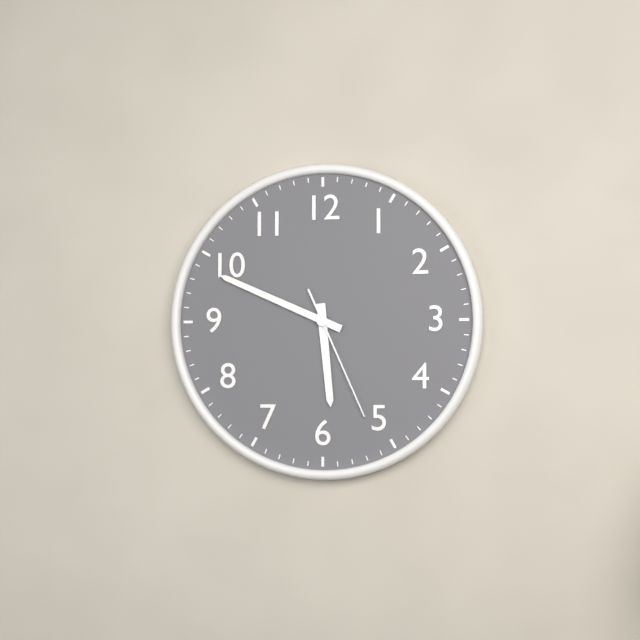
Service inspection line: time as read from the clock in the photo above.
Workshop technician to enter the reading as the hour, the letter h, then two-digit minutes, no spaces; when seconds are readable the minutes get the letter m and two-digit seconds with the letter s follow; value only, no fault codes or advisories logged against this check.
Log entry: 5h49m26s
